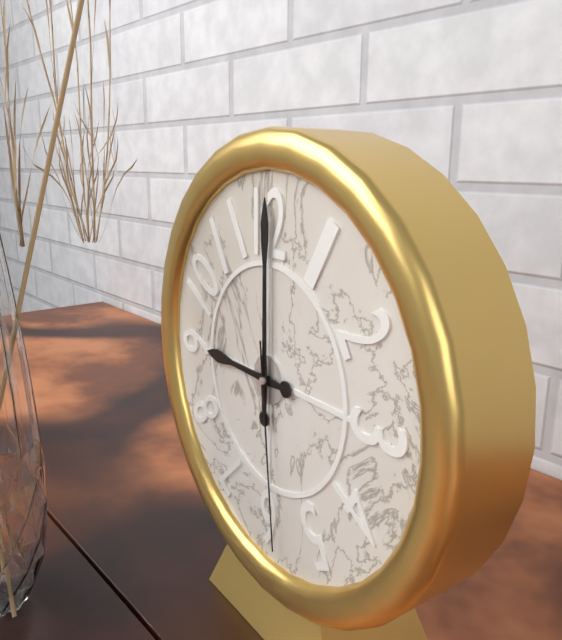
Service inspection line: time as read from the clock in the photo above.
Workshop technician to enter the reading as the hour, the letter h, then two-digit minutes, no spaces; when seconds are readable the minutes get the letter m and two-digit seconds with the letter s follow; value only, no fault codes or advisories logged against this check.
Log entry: 9h00m29s
